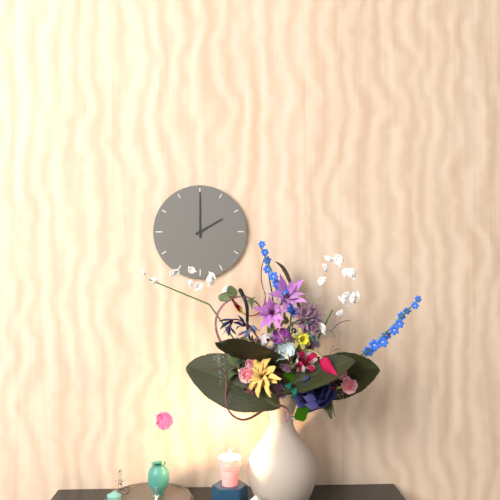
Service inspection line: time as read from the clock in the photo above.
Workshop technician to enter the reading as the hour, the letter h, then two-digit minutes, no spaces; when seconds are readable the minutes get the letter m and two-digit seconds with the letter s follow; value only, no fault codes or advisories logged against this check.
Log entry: 2h00
